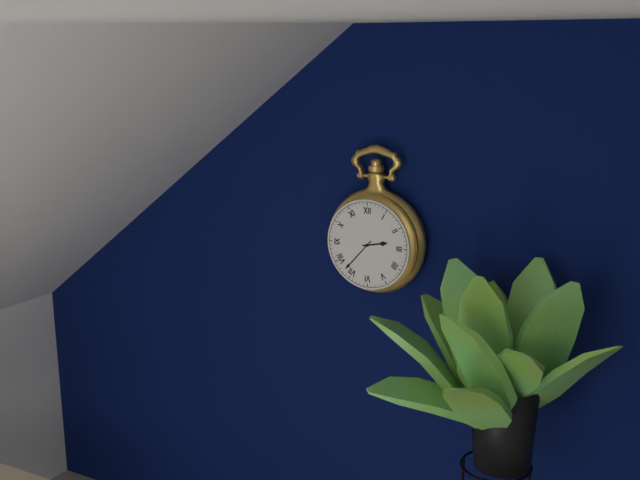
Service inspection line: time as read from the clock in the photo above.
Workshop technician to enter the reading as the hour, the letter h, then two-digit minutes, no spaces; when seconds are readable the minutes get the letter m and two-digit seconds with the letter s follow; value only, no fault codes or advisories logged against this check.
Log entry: 2h37
